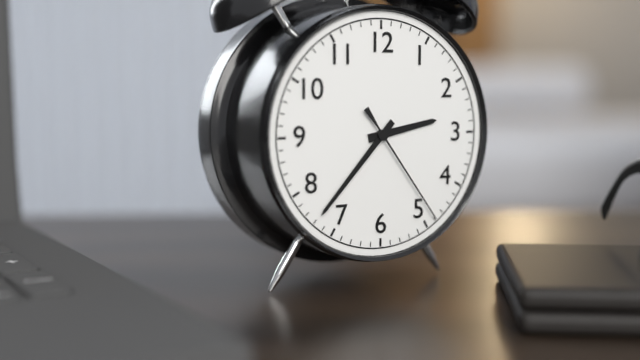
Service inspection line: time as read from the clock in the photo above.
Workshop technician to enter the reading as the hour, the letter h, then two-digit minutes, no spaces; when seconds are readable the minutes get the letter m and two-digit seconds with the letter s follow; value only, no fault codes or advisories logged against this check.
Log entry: 2h37m24s
